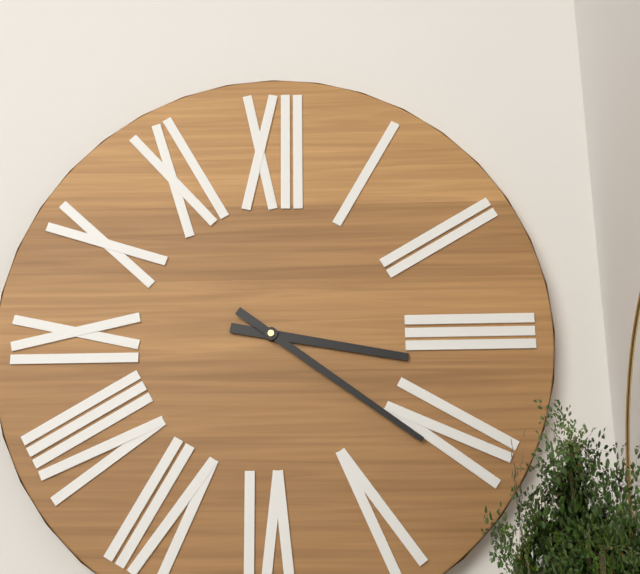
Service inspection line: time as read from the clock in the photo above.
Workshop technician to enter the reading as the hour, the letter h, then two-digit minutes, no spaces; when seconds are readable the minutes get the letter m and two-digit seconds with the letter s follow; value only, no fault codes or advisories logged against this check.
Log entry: 3h21
